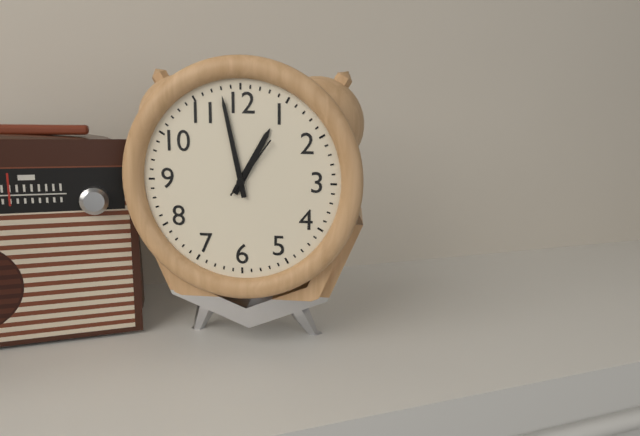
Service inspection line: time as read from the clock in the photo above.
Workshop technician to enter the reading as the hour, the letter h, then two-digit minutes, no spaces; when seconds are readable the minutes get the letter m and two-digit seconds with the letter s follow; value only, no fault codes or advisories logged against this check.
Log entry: 12h58m06s
